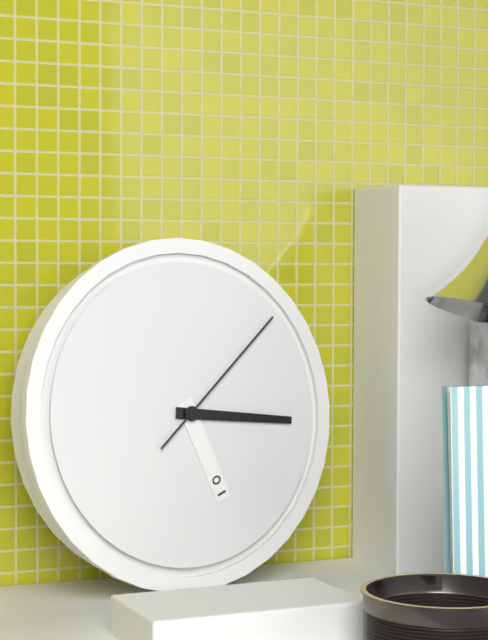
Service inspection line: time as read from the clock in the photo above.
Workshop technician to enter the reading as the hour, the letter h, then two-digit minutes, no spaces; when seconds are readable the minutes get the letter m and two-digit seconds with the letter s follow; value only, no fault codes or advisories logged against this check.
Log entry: 5h16m08s
